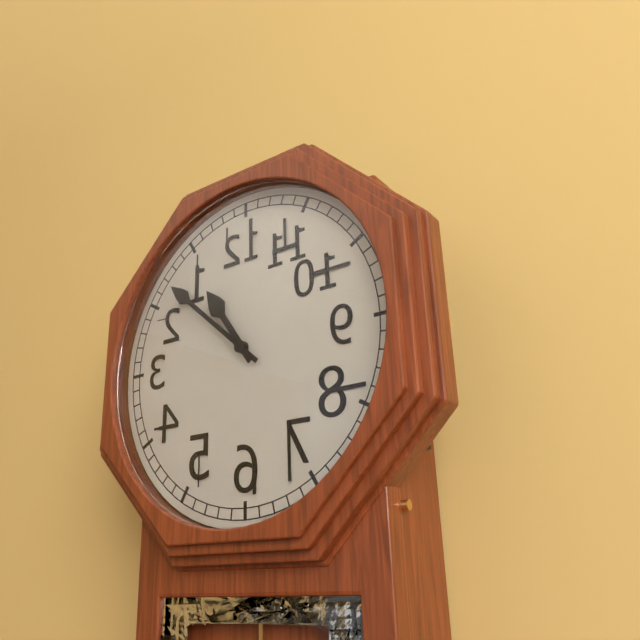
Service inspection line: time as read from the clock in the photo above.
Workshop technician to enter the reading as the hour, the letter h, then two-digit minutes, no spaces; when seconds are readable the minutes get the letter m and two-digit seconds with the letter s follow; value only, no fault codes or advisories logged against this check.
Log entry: 10h52
